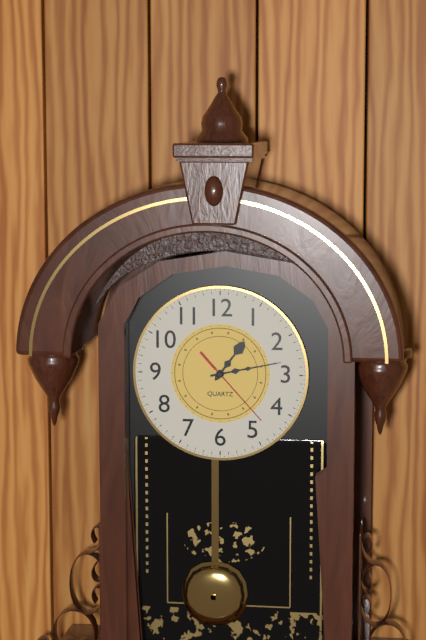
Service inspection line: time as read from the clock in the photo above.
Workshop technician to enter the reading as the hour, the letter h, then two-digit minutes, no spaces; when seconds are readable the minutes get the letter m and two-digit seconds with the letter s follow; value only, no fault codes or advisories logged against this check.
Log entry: 1h13m23s
